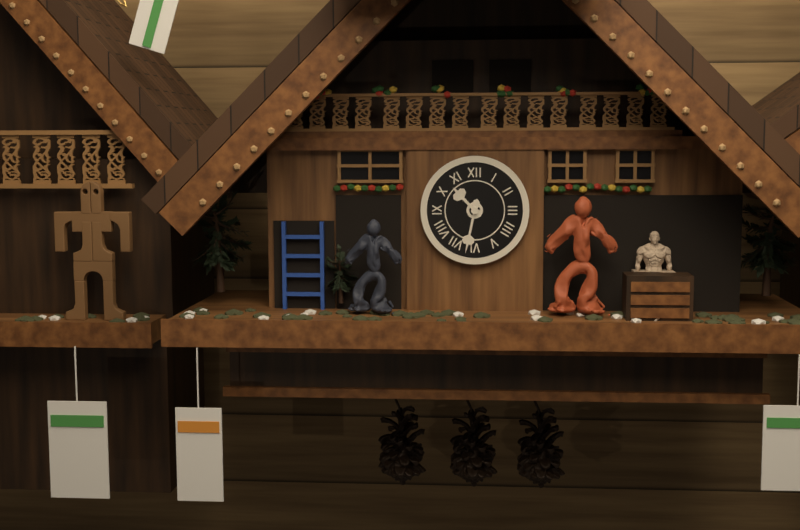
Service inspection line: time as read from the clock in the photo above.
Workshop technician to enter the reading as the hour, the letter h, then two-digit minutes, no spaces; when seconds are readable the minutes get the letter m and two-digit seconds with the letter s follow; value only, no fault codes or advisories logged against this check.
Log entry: 10h32
